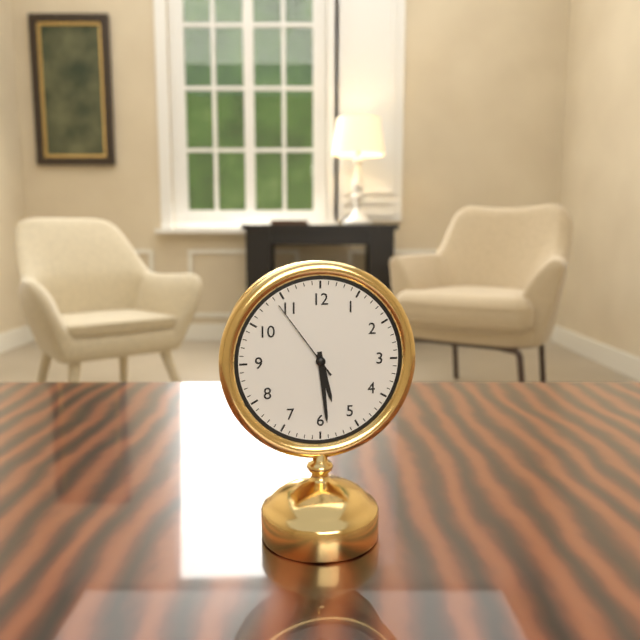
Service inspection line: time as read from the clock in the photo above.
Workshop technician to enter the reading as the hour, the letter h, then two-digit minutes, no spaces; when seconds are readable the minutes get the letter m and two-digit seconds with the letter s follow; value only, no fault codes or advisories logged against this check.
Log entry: 5h29m54s
